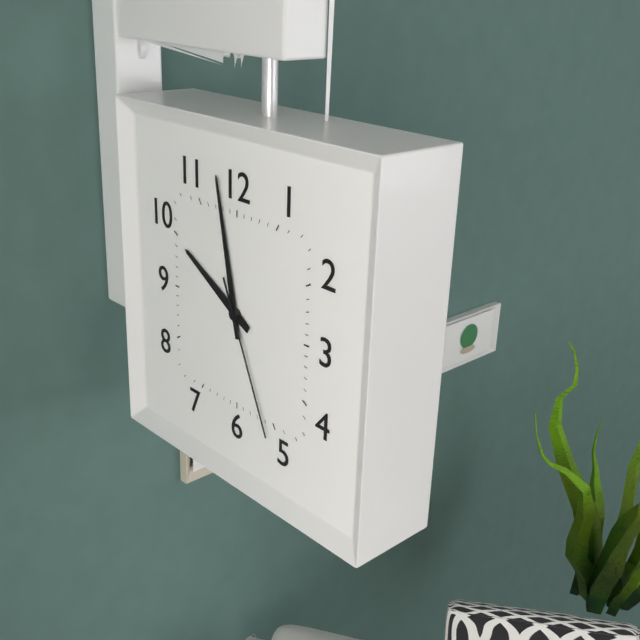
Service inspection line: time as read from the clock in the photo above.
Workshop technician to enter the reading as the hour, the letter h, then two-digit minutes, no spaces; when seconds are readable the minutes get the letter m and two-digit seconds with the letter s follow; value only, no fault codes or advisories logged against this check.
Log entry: 9h58m26s
